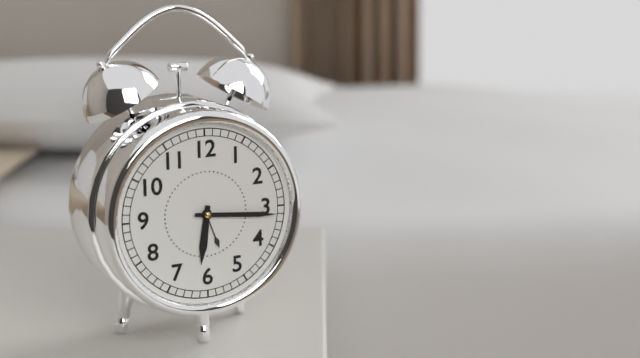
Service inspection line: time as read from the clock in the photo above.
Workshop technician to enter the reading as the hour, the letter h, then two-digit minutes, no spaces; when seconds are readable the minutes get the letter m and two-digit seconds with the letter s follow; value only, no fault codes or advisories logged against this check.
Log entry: 6h16
